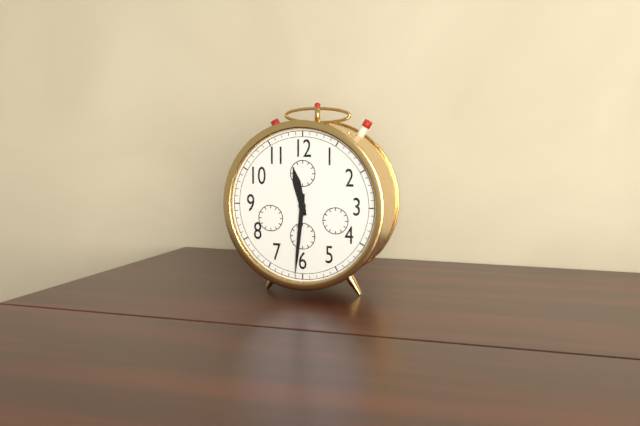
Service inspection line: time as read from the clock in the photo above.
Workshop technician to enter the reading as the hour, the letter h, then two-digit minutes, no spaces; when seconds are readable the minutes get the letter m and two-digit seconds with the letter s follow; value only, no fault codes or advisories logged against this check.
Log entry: 11h31
